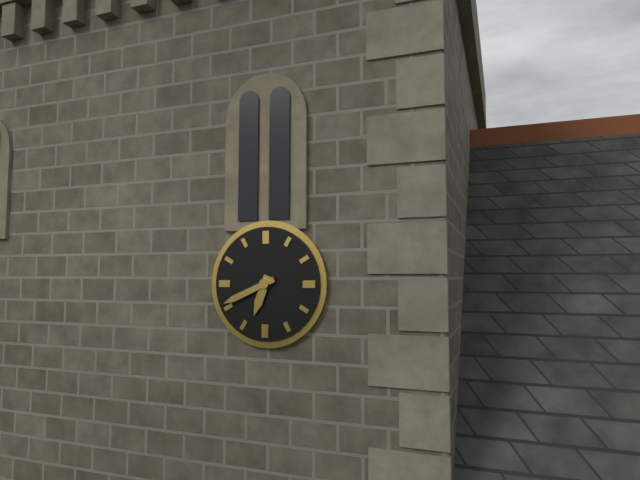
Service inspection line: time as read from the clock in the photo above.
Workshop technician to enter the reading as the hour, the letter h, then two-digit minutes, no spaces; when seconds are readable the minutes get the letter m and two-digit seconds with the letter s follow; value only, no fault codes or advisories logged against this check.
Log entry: 6h41
